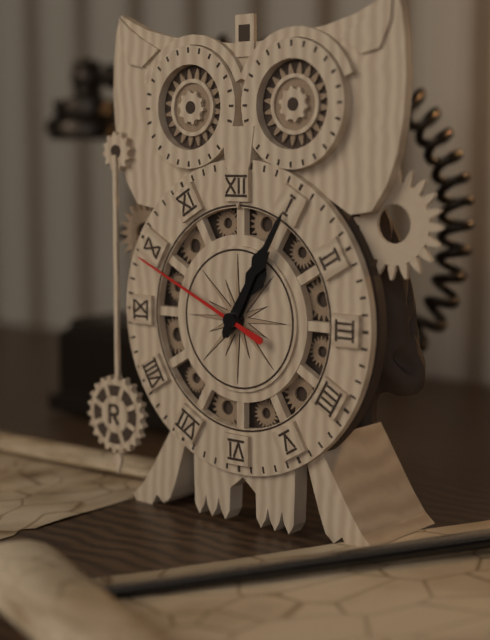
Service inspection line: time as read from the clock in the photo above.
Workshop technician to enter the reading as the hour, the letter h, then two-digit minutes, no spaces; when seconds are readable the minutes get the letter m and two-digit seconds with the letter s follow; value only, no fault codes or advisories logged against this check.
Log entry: 1h05m49s
